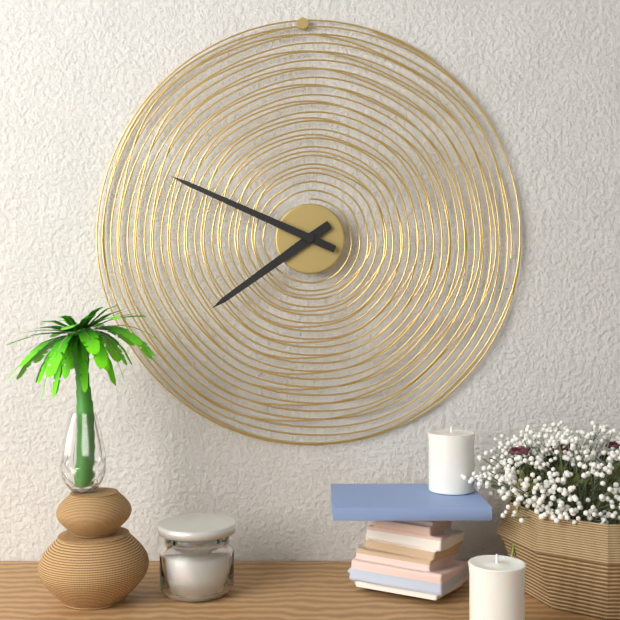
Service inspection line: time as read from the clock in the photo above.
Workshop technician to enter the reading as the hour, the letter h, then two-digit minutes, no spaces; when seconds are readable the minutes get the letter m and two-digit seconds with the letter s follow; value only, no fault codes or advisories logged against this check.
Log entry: 7h49
